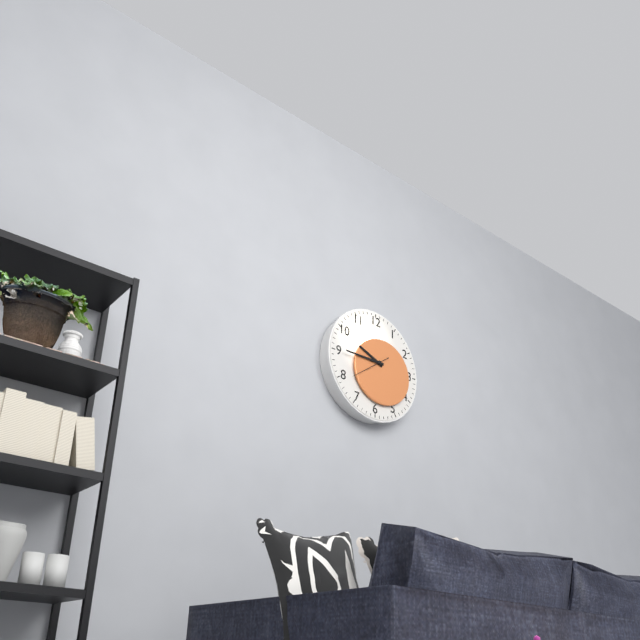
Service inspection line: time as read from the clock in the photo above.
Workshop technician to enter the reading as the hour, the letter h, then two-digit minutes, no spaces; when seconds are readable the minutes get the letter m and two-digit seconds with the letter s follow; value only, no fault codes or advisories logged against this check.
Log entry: 9h45
